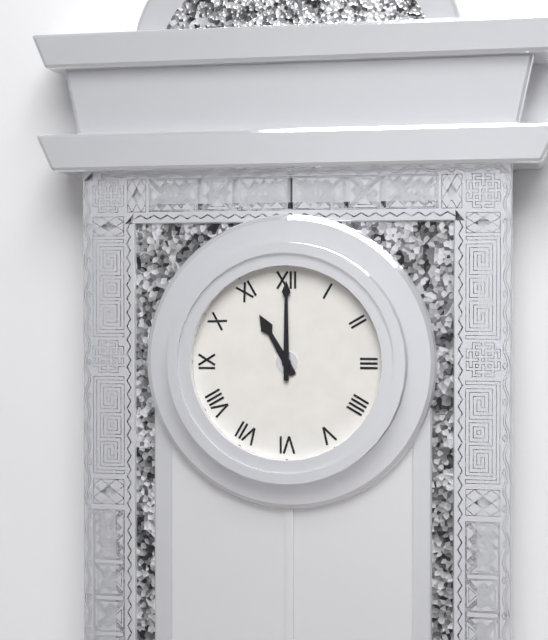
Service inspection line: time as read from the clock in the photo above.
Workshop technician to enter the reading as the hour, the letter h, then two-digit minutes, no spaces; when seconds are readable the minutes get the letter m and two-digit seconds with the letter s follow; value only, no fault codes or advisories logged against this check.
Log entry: 11h00
